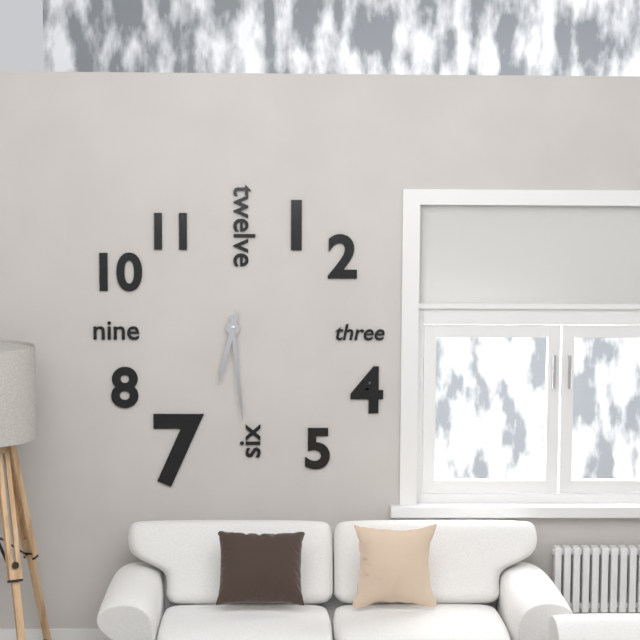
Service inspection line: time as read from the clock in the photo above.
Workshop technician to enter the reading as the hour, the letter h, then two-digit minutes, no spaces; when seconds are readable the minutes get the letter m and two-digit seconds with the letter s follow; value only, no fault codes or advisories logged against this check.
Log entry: 6h29
